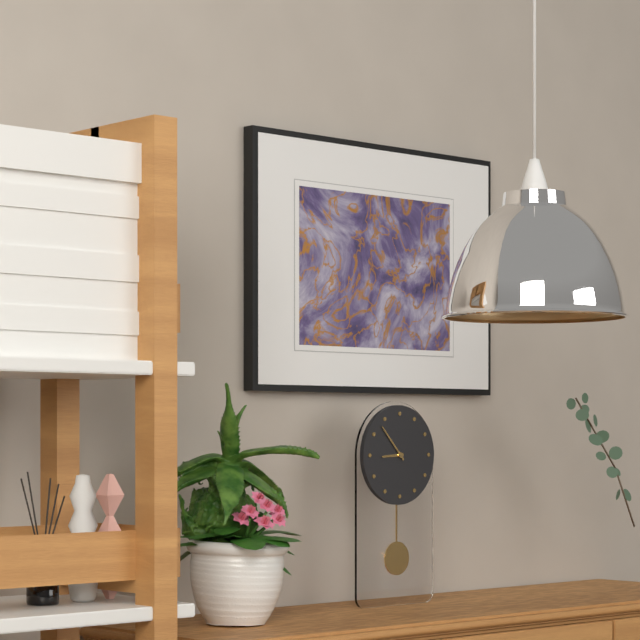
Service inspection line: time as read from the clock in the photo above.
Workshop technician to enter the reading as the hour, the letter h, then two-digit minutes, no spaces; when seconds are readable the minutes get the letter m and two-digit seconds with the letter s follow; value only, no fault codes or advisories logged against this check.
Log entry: 8h53
